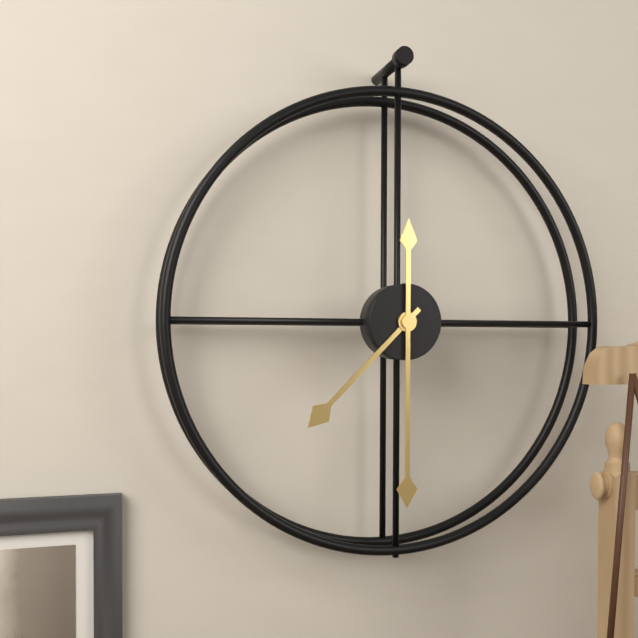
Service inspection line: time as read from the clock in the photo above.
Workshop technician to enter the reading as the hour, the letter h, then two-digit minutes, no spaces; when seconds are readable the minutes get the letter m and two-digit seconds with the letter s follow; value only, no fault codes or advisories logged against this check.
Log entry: 7h30
